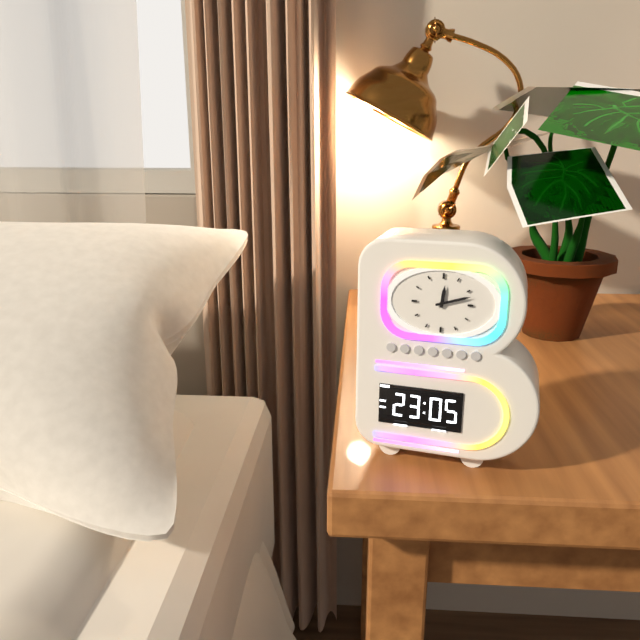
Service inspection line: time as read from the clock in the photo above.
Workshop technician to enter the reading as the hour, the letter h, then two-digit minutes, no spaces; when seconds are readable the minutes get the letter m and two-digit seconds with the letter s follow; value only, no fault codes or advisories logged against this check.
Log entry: 12h12
